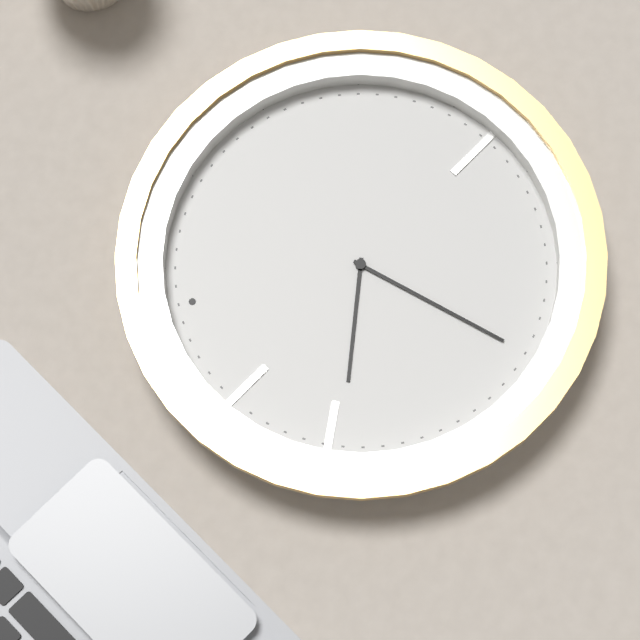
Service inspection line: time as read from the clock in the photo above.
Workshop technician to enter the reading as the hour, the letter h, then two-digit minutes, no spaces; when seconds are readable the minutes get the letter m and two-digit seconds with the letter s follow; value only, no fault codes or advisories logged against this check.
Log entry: 9h37
